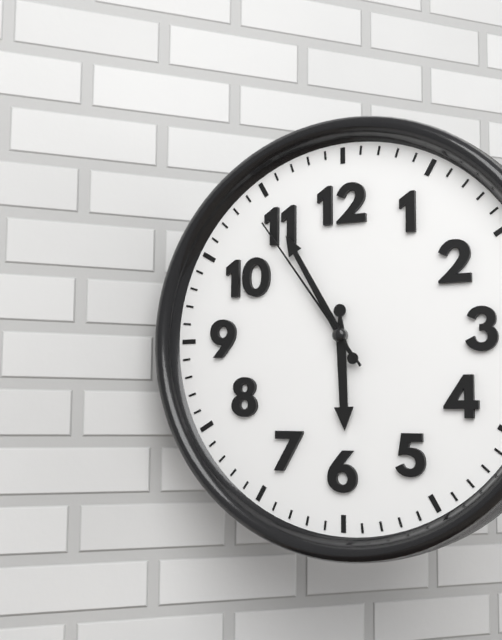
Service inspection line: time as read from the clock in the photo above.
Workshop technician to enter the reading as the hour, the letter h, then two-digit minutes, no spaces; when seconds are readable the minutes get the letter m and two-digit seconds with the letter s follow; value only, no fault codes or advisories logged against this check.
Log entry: 5h55m54s
